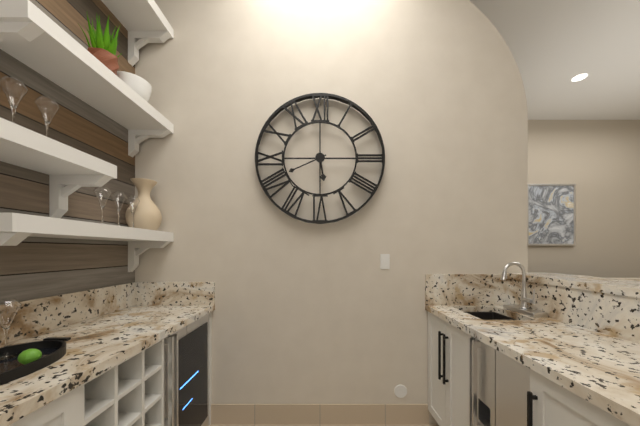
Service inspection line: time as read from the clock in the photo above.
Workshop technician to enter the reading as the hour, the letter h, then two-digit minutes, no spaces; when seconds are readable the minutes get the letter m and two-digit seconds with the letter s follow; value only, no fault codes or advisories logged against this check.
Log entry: 5h41
